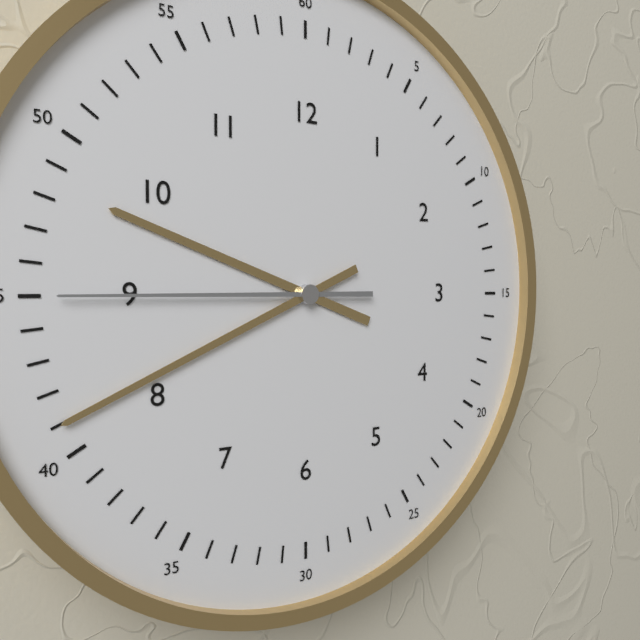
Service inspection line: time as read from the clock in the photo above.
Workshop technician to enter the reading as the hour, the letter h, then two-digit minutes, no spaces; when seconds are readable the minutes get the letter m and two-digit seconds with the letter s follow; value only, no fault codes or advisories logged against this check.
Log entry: 9h41m45s
